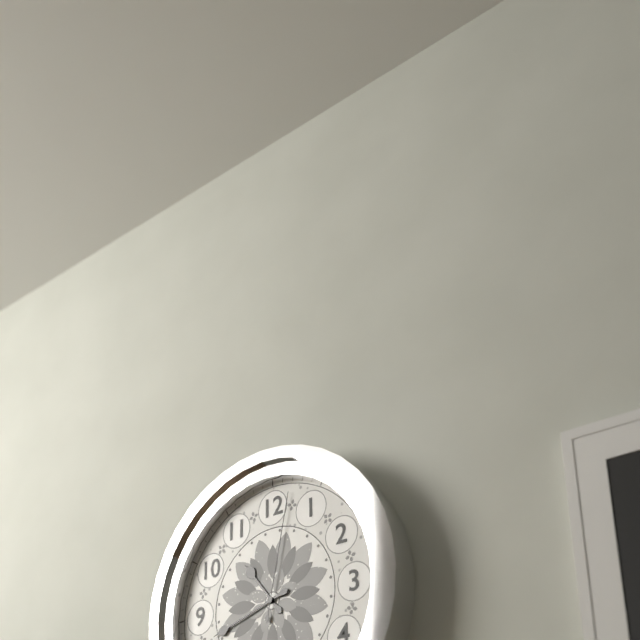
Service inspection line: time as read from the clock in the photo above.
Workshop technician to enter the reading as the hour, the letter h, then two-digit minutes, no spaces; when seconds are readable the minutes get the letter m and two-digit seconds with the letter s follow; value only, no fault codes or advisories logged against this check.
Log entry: 10h42m02s
